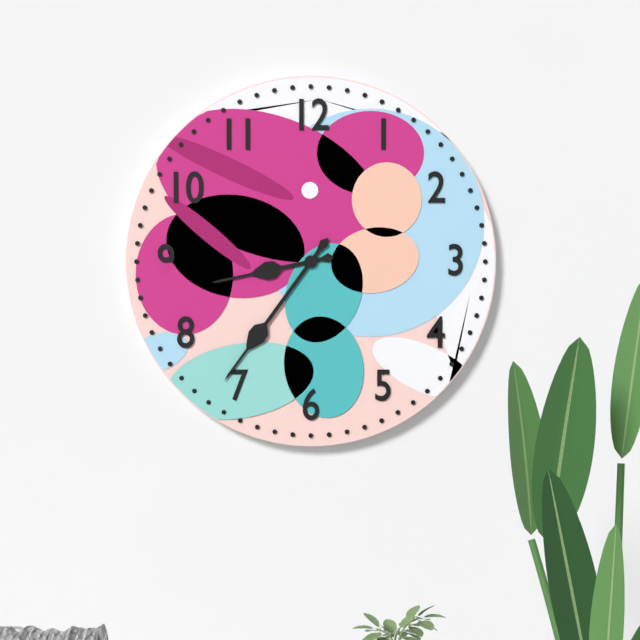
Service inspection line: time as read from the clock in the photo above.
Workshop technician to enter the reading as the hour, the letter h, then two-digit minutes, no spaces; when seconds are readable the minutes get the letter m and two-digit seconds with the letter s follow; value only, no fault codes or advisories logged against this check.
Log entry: 8h36
